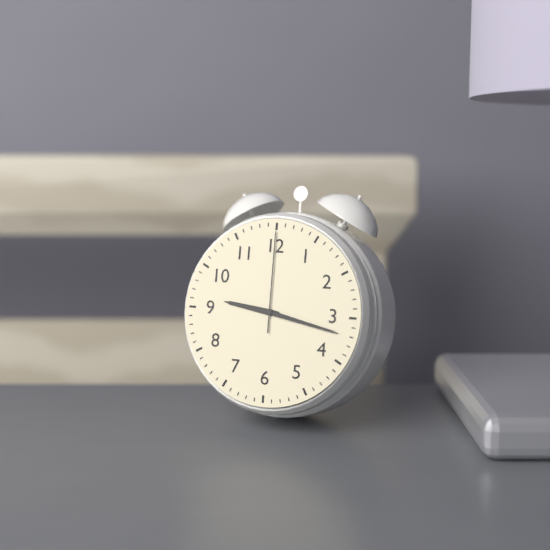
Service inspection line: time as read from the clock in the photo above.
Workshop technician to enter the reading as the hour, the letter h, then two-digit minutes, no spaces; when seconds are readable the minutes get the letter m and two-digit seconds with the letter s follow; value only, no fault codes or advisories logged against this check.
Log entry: 9h17m00s
